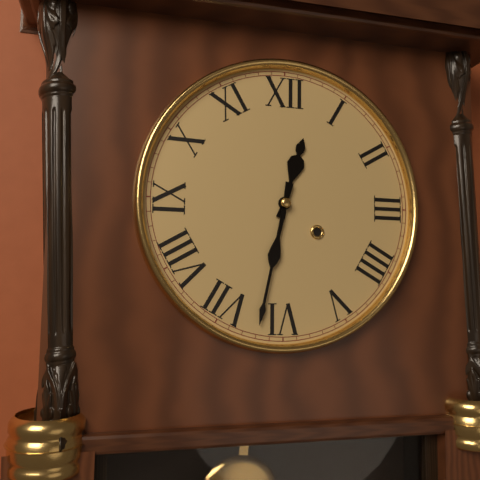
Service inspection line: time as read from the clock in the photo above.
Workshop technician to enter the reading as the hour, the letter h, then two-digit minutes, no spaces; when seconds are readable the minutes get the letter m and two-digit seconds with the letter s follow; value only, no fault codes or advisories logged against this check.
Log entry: 12h32
